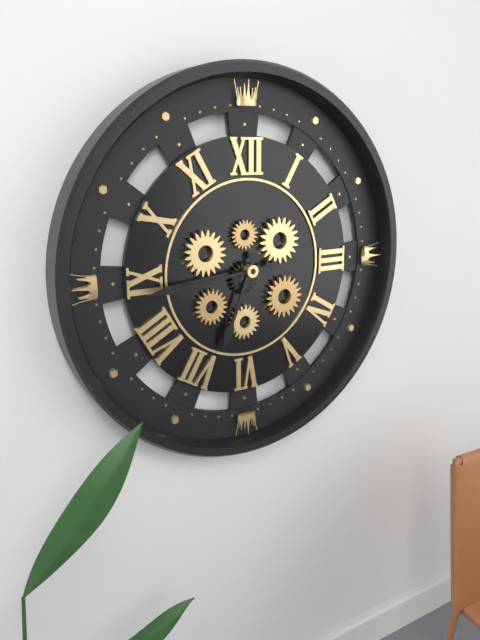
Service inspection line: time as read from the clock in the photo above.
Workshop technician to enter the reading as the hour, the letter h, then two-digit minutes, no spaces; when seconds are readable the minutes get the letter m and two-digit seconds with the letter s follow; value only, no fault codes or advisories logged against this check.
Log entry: 6h44
